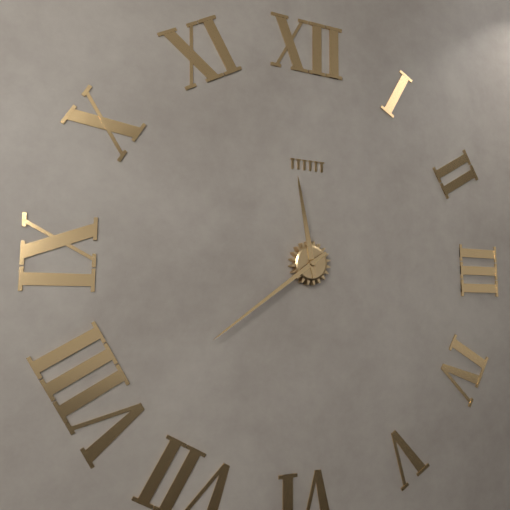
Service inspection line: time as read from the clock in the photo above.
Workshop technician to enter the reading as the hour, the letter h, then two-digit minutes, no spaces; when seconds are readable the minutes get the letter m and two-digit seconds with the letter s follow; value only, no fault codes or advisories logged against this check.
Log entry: 11h39
